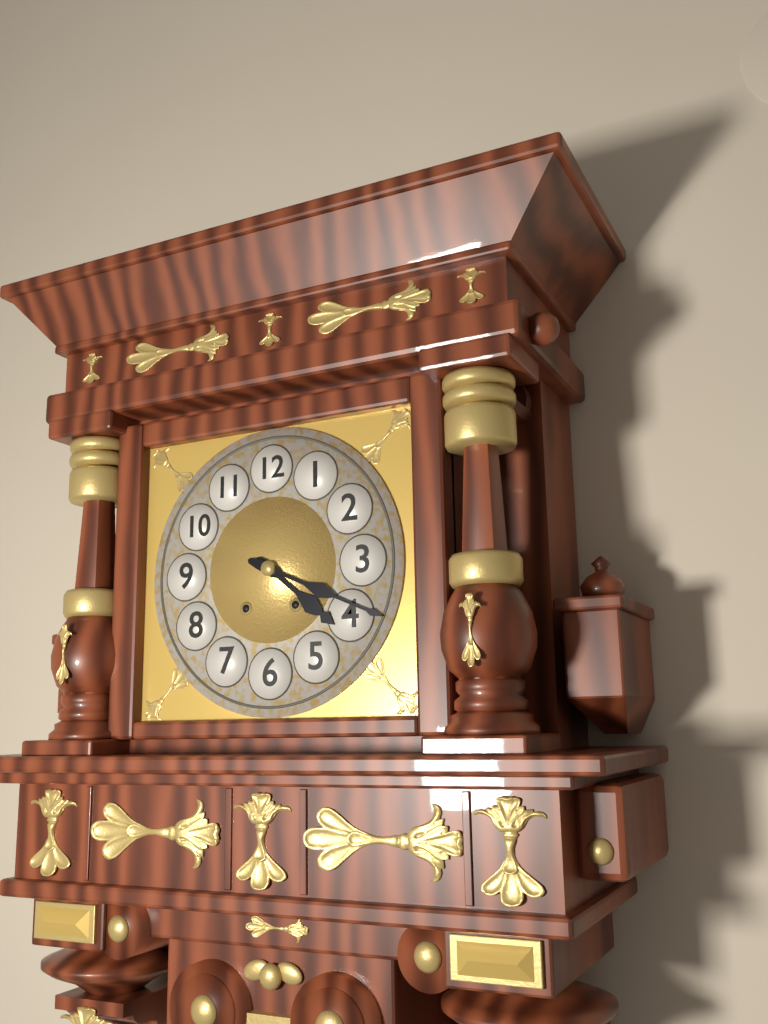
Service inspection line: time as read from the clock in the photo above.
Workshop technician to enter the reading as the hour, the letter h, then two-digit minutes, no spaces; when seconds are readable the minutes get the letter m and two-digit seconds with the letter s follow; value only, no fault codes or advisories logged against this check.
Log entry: 4h19
